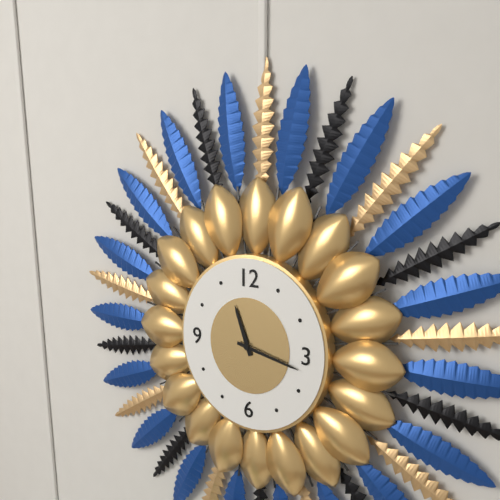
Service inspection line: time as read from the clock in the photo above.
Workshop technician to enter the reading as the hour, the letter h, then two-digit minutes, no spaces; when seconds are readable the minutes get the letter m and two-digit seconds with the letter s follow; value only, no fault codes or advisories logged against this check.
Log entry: 11h17
